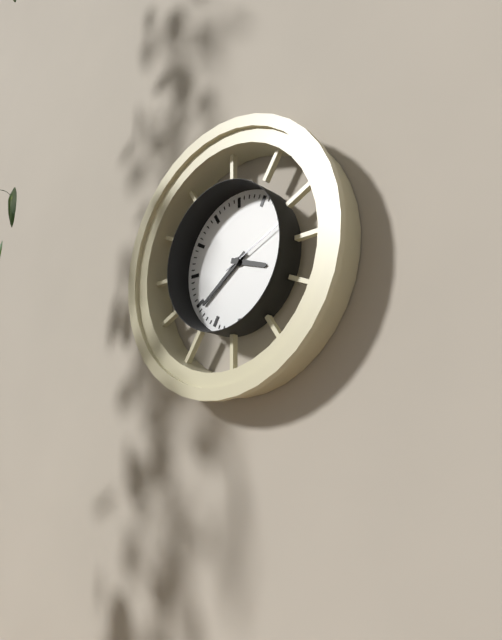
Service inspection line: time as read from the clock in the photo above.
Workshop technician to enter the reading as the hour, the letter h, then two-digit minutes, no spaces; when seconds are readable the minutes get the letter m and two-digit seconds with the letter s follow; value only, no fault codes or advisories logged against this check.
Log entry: 3h39m11s
